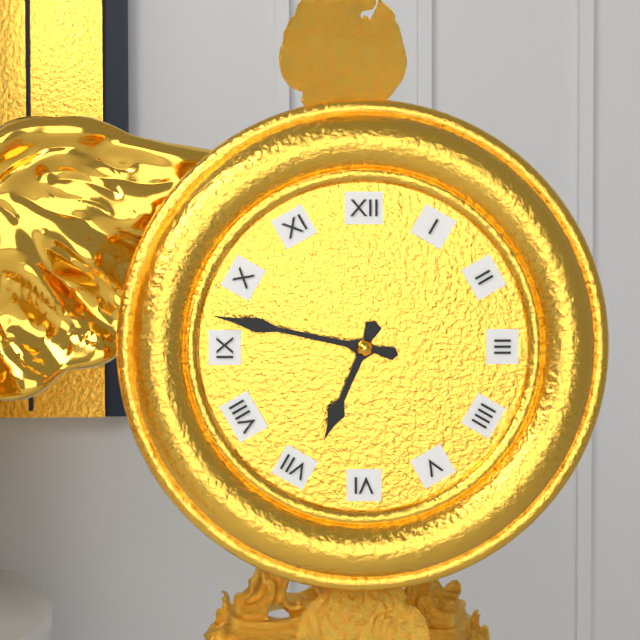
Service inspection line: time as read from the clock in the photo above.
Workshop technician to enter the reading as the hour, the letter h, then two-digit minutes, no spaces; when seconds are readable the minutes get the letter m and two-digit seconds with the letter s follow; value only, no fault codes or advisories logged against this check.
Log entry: 6h47
